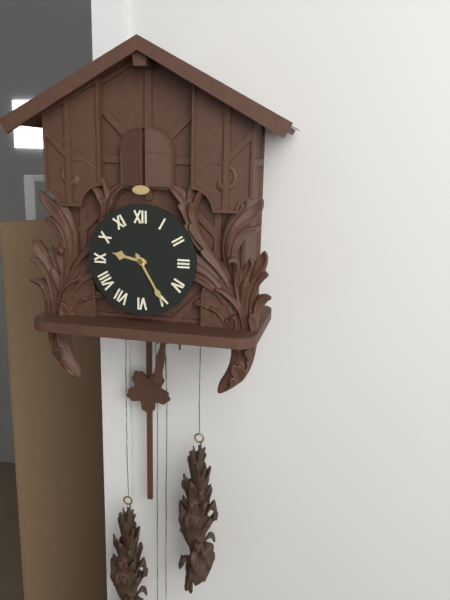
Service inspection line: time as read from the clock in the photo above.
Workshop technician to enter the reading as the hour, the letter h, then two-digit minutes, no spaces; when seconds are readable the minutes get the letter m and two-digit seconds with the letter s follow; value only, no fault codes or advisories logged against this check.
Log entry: 9h25
